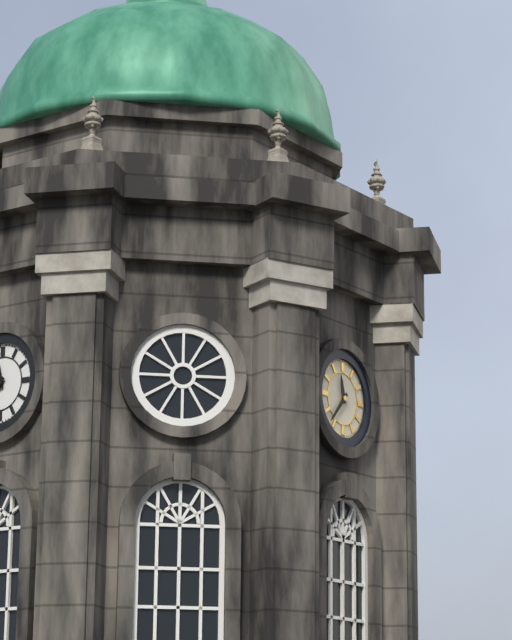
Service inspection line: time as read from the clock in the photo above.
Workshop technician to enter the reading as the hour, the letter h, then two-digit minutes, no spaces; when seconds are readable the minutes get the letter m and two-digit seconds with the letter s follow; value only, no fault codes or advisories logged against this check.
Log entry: 11h37
